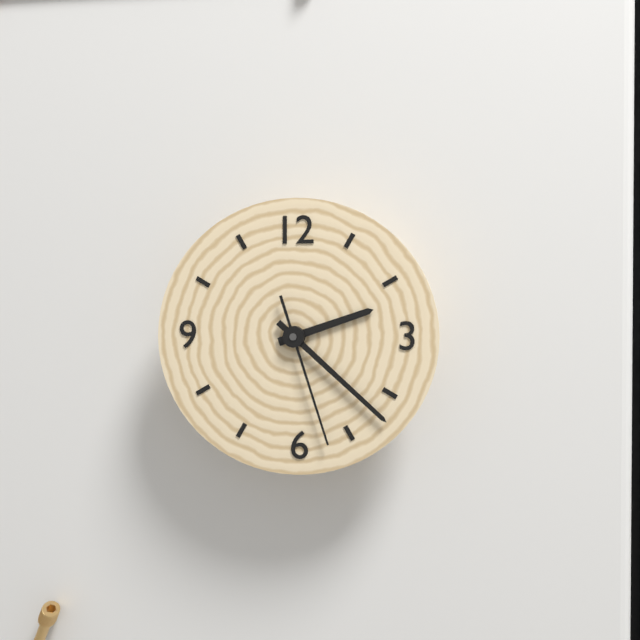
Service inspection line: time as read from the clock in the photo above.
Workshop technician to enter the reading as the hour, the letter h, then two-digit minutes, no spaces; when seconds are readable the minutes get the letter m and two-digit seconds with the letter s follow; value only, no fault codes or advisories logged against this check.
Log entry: 2h22m27s
